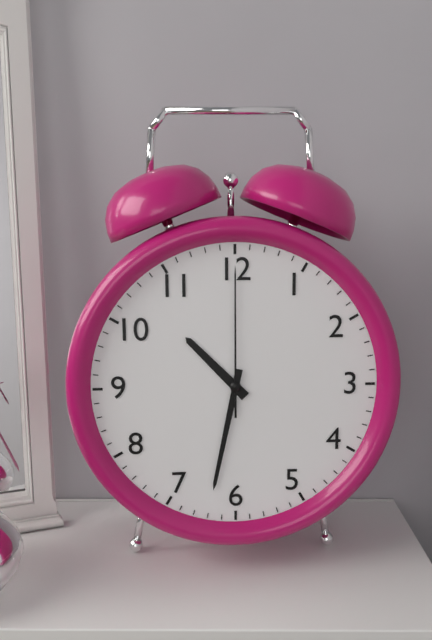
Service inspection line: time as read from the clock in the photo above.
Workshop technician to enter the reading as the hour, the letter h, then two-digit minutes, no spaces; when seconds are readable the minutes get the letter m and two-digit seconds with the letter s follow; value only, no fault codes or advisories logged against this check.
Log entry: 10h32m00s
